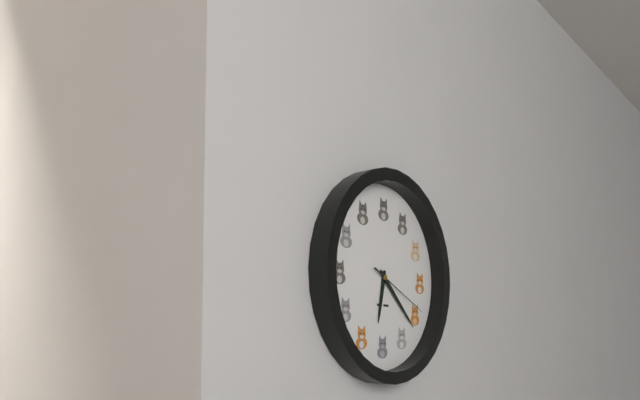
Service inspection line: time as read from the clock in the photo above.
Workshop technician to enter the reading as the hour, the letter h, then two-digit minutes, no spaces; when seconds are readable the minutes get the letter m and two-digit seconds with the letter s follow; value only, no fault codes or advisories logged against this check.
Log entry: 6h22m19s
